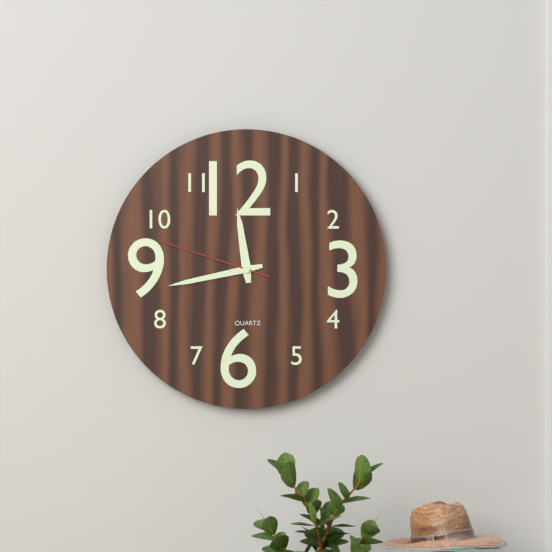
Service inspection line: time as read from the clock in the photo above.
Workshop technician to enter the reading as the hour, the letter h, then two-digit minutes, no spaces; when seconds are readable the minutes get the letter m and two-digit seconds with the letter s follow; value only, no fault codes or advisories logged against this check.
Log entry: 11h43m48s
